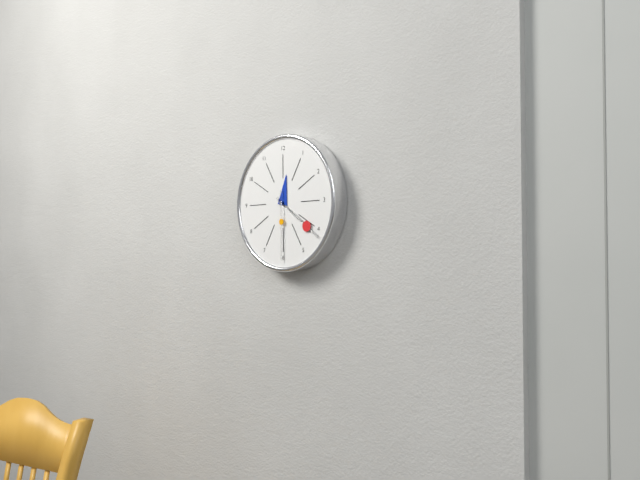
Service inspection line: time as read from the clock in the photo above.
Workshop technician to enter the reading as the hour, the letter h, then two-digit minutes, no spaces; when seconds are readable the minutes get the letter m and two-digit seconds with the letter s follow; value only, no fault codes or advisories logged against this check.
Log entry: 12h21m30s
